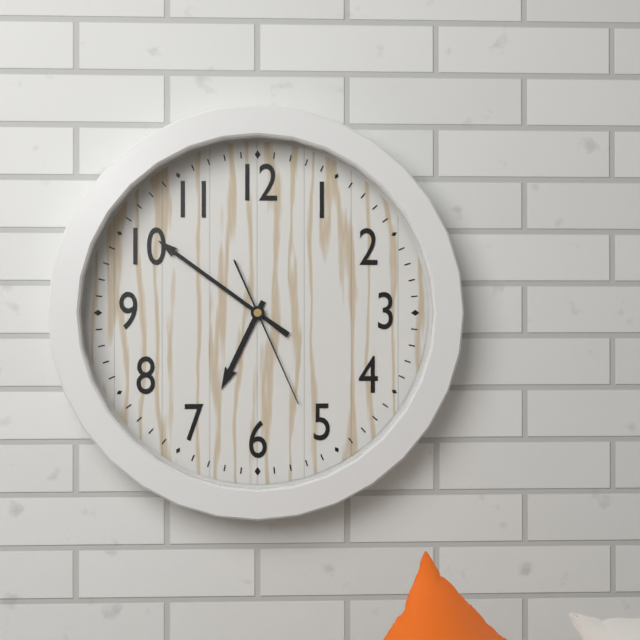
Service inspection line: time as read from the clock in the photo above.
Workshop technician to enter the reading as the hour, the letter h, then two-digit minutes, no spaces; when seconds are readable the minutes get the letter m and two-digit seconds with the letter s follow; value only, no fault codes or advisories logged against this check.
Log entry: 6h51m26s
